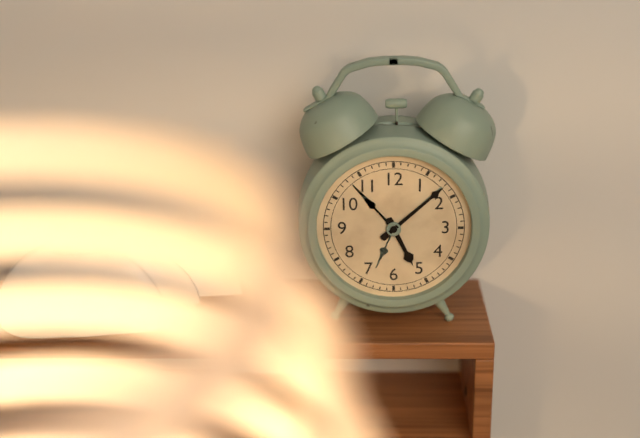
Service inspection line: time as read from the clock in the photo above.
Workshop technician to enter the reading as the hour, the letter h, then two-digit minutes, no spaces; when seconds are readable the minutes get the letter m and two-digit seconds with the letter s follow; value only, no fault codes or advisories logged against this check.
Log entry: 5h08
